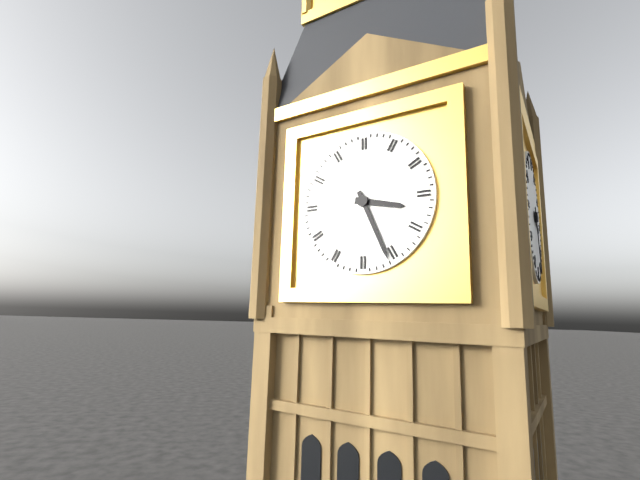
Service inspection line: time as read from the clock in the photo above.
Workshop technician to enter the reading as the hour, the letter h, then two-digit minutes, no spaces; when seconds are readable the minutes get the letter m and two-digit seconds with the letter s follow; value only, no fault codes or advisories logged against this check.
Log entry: 3h26
